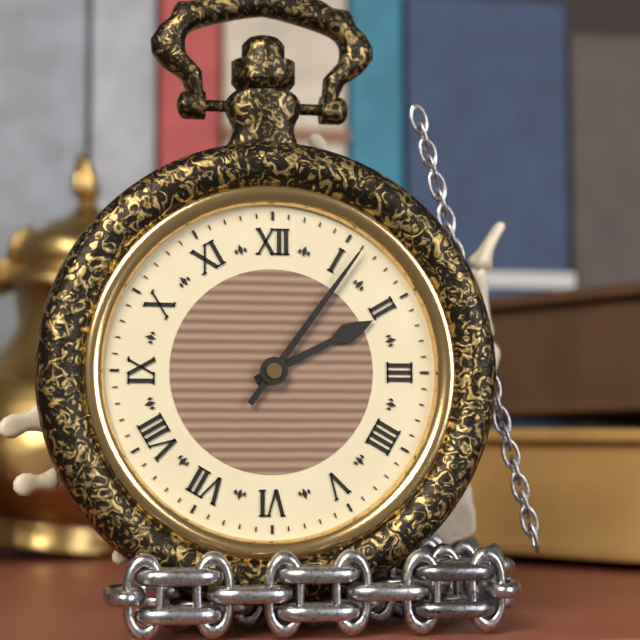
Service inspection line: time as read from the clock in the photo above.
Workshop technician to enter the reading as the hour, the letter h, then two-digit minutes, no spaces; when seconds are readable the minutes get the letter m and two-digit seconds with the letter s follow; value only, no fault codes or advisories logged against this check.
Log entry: 2h06
